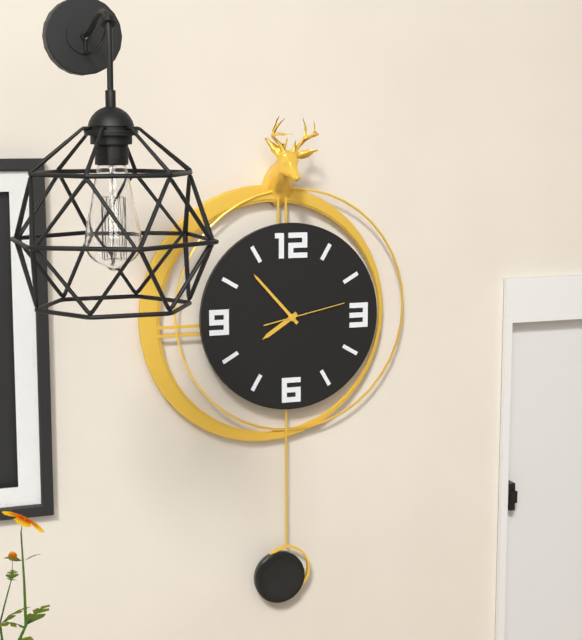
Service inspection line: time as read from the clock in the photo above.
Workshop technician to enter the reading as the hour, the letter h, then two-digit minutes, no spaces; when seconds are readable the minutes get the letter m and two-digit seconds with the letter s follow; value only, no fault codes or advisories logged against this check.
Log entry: 7h53m13s
